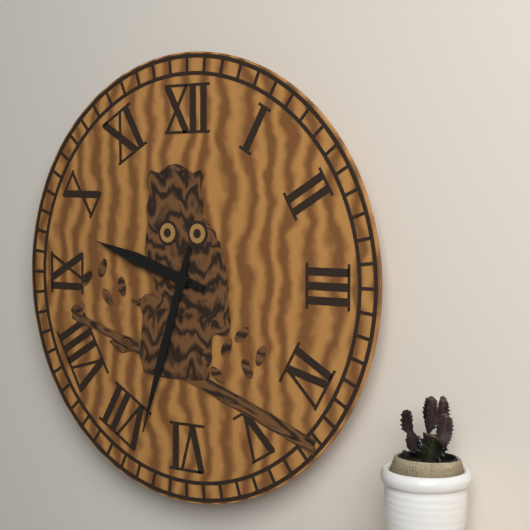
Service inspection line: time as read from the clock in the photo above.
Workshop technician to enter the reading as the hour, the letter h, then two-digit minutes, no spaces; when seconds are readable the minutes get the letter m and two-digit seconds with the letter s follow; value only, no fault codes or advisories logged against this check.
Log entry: 9h33
